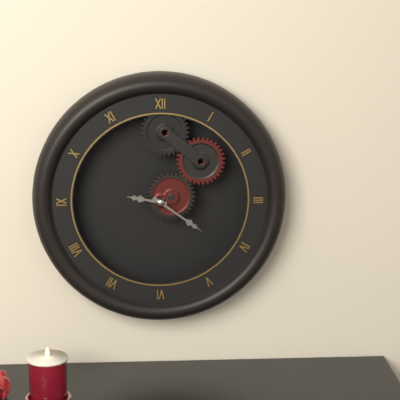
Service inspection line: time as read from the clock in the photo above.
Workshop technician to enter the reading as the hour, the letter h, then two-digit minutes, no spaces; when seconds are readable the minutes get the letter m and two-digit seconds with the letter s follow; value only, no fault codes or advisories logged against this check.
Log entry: 9h21
